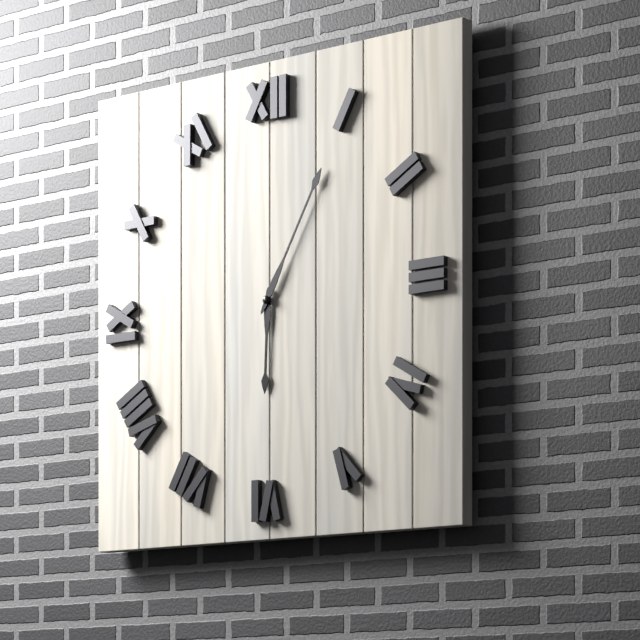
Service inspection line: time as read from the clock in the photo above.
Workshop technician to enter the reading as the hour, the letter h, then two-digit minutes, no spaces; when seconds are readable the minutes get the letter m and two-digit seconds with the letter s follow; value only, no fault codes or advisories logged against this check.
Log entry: 6h05
